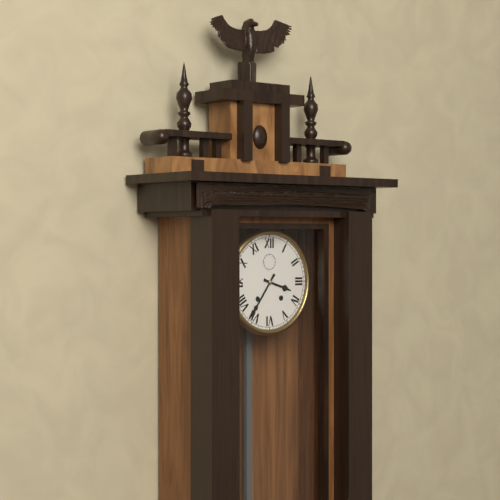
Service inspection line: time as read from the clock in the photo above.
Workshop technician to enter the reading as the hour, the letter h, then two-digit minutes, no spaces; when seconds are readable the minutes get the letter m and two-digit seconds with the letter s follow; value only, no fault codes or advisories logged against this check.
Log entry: 3h36
